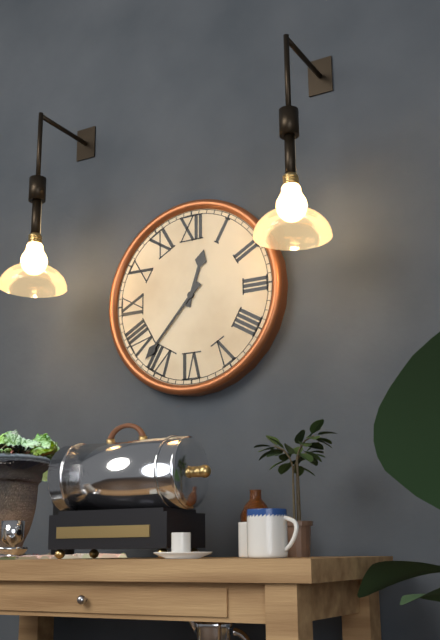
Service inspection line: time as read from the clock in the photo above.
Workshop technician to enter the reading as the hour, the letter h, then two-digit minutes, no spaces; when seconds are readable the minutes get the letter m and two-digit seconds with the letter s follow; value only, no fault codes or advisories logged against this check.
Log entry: 12h37
